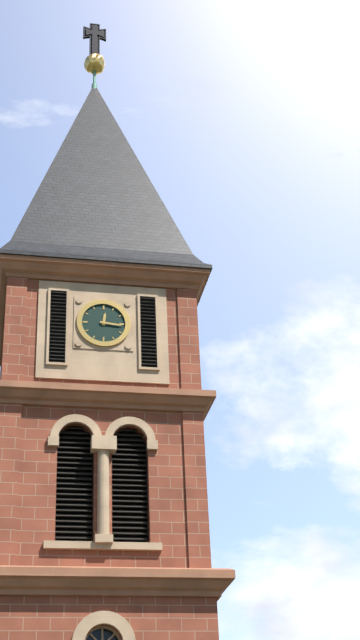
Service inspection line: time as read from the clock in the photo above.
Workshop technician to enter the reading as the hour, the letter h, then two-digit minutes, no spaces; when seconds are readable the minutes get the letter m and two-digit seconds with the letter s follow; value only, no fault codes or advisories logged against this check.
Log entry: 12h16
